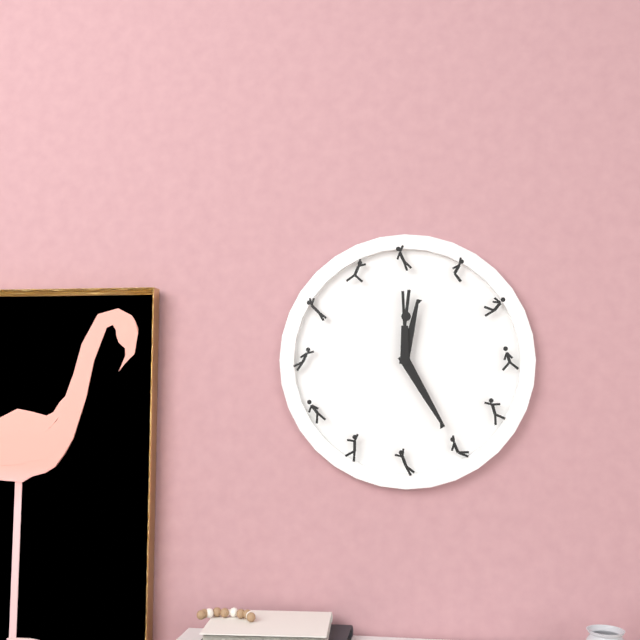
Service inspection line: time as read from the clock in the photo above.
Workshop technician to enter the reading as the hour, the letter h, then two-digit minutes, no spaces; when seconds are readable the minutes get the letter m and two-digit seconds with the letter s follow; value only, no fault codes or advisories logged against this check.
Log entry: 12h25
